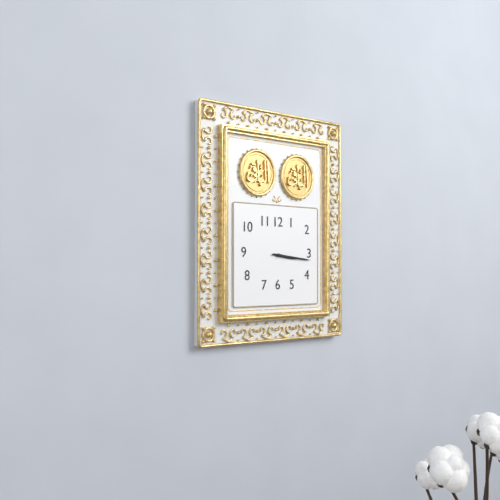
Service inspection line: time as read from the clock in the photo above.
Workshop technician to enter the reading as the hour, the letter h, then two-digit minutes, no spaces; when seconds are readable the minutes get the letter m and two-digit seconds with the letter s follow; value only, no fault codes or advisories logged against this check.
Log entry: 3h16
